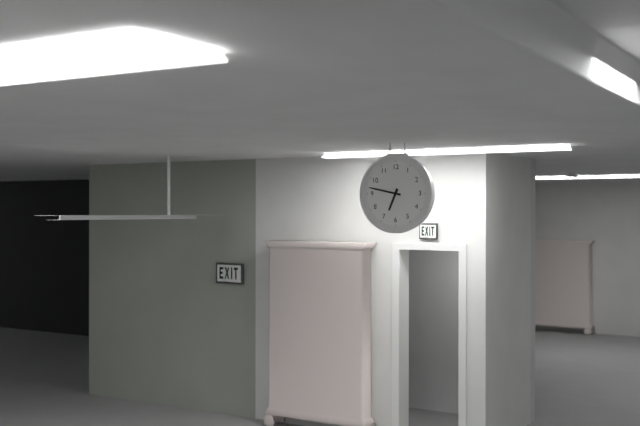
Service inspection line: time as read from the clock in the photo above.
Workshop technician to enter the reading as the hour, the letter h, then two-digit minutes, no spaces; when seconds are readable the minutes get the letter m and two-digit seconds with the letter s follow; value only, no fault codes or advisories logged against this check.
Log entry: 6h47
